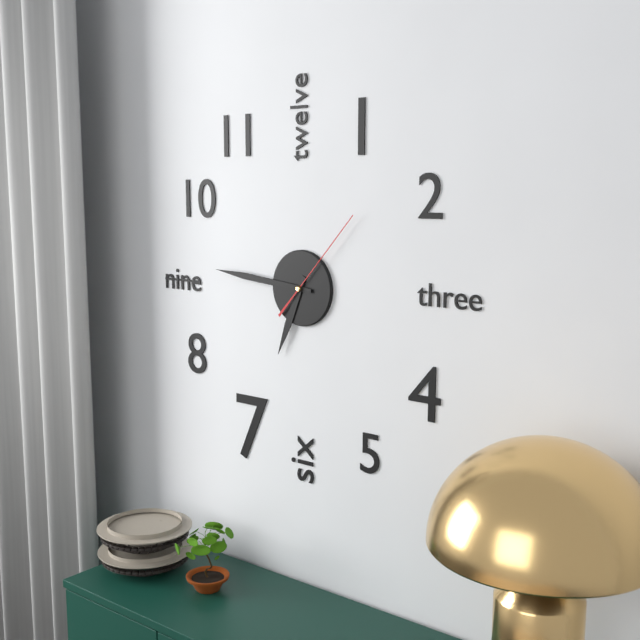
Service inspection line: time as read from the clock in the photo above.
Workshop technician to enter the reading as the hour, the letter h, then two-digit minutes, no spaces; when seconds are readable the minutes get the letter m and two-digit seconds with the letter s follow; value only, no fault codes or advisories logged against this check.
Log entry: 6h46m07s
